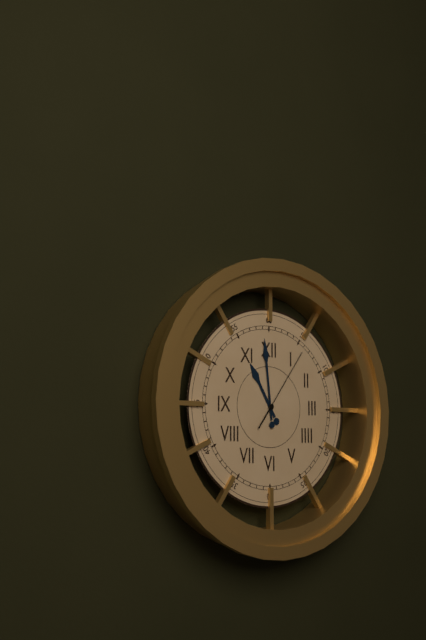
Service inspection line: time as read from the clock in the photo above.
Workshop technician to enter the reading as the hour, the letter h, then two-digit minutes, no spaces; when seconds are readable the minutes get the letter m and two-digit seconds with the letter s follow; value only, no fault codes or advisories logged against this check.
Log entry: 10h59m06s
